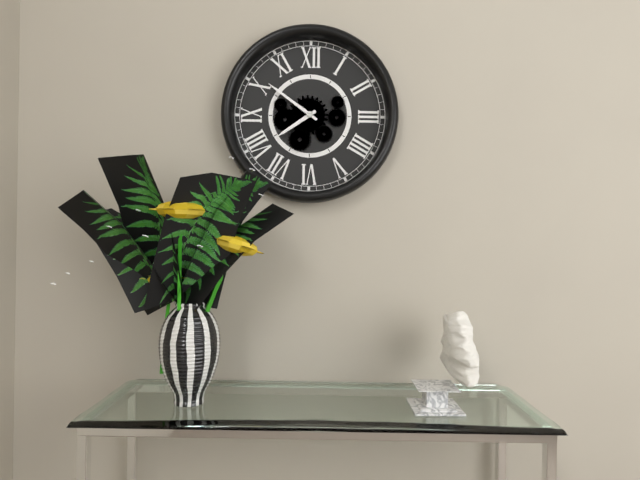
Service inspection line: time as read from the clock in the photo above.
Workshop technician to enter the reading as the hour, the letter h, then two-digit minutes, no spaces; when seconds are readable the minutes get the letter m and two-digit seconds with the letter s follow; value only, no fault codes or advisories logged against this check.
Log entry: 7h51
